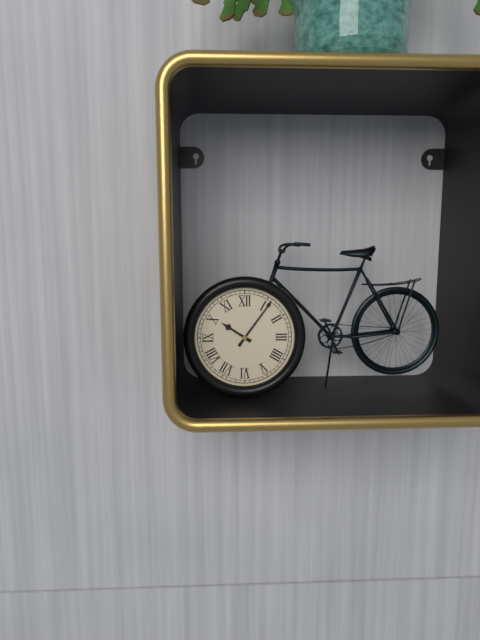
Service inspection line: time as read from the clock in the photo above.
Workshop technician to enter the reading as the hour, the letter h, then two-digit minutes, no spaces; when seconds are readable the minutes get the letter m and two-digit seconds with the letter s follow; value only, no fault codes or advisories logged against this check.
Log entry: 10h06
